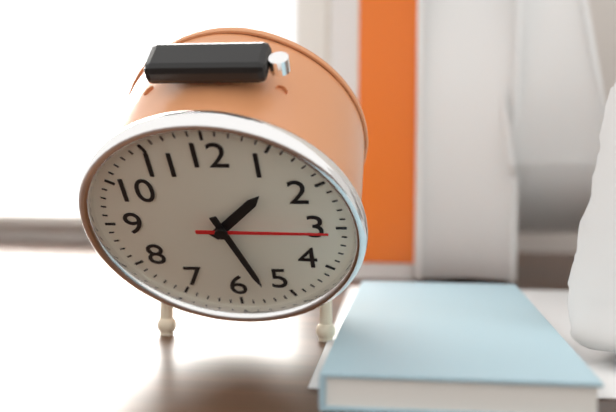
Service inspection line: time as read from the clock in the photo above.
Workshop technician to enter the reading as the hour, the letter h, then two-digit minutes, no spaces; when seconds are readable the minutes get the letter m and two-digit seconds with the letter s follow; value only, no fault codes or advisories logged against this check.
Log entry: 1h27m15s
